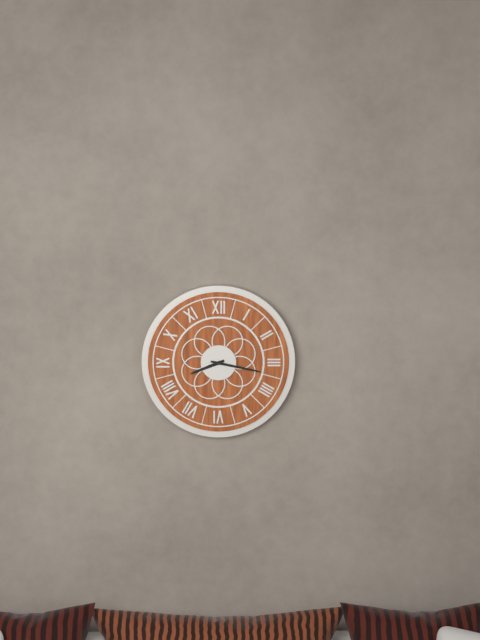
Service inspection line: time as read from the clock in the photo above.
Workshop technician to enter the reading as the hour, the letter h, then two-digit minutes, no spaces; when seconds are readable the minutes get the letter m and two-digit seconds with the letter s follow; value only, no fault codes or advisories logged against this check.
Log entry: 8h17
